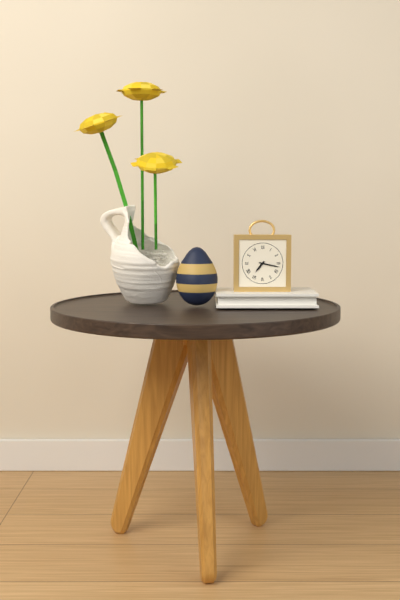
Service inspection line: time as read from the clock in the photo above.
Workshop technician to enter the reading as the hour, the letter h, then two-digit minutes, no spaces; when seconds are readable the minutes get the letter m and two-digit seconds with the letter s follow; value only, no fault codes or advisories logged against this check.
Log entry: 7h17
